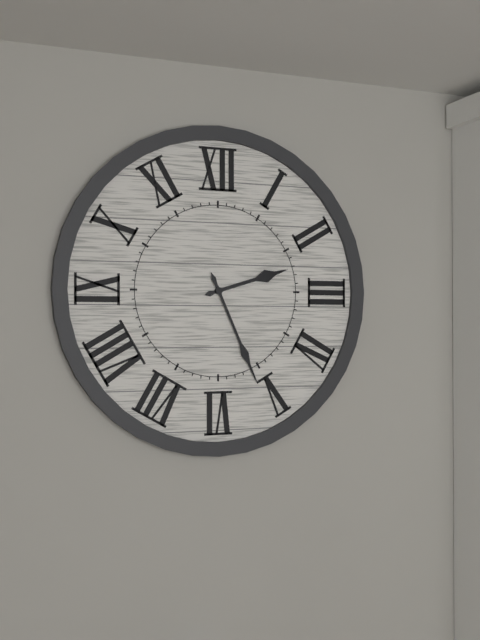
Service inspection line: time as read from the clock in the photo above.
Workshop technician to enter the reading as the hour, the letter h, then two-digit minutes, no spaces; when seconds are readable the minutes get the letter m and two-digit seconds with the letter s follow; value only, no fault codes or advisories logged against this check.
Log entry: 2h26
